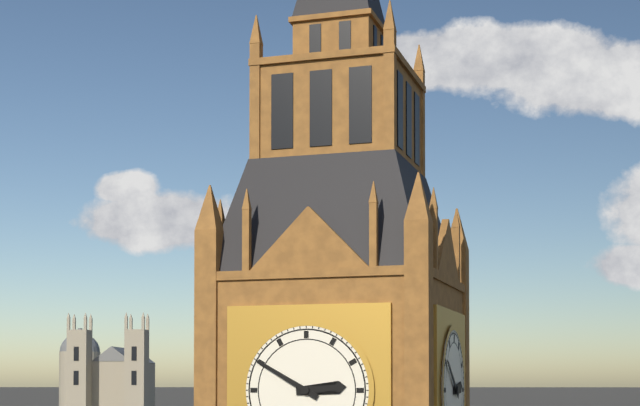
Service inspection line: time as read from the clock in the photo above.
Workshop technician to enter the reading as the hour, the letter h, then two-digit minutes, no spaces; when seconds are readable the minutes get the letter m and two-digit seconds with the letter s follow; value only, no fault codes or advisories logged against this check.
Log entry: 2h50
